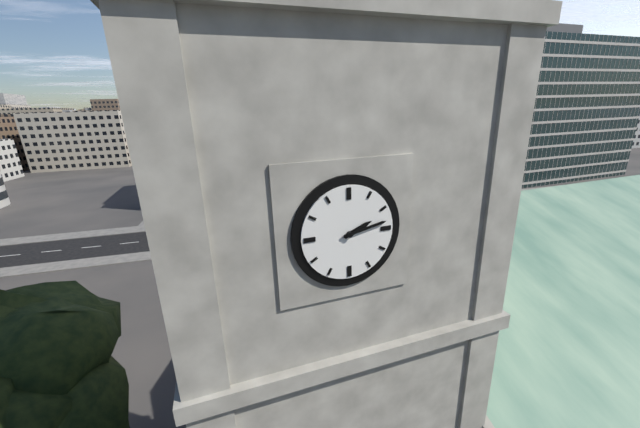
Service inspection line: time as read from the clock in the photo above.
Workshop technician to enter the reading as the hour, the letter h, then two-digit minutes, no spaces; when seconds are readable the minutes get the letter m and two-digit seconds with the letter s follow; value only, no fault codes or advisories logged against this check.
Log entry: 2h13
